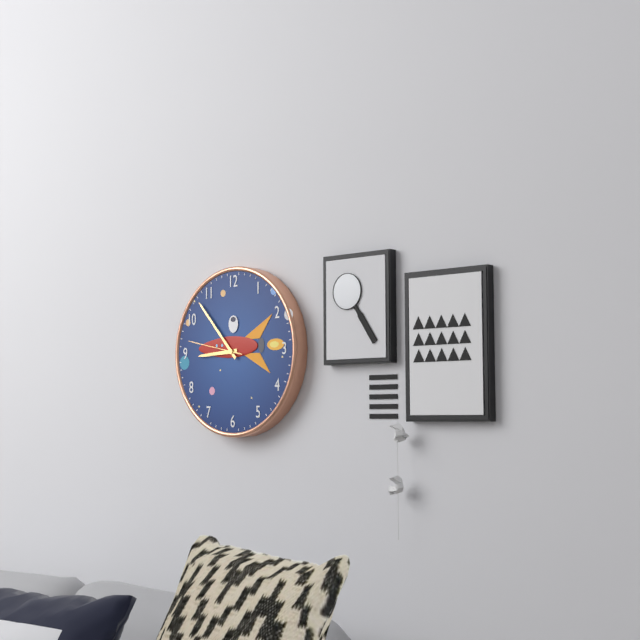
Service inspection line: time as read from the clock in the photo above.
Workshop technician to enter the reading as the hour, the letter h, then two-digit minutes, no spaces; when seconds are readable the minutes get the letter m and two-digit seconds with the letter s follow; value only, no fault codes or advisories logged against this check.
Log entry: 8h53m47s
